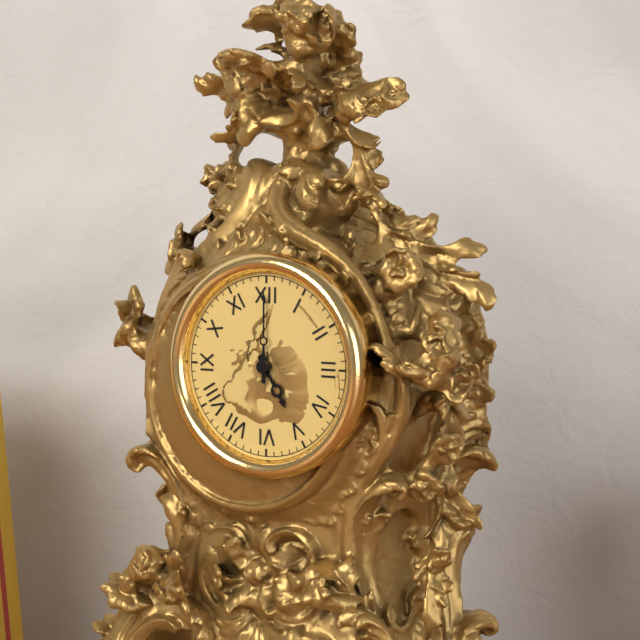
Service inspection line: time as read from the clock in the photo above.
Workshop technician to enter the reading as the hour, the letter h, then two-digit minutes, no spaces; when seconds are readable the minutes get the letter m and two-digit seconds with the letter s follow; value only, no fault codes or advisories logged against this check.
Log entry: 5h00
